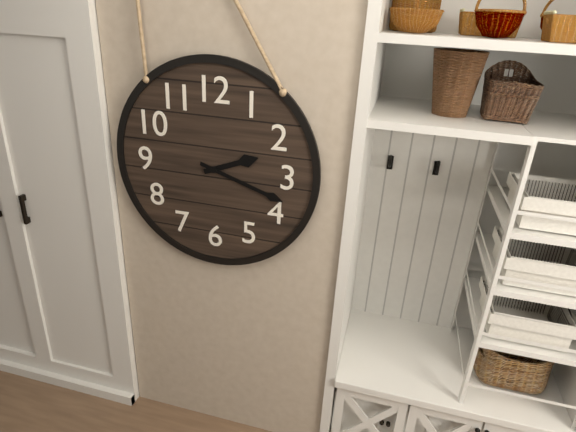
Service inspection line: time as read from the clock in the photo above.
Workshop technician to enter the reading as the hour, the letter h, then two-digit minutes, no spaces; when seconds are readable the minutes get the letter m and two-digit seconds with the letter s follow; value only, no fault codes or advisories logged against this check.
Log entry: 2h18
